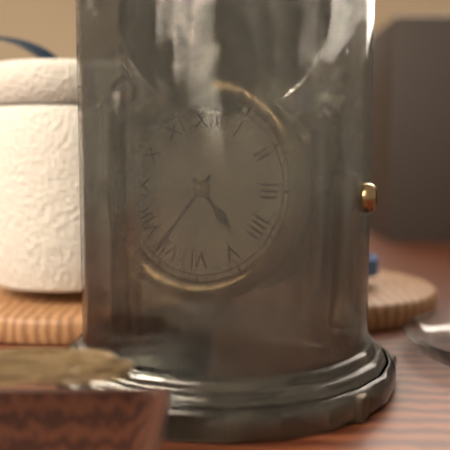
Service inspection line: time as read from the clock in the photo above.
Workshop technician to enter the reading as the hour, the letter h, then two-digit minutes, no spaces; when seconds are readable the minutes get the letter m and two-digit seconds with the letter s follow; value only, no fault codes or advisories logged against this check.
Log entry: 4h36
